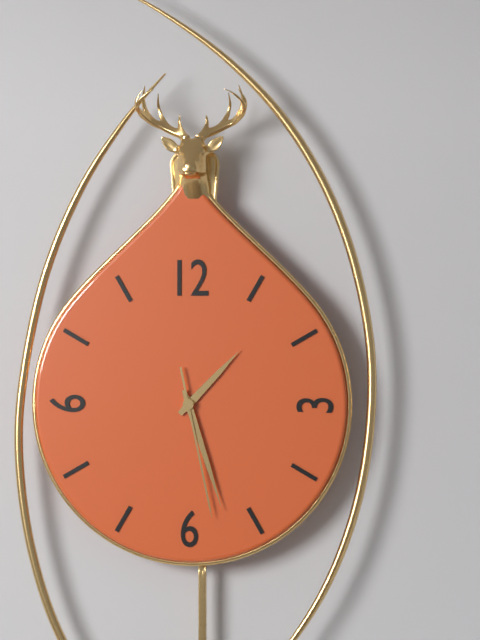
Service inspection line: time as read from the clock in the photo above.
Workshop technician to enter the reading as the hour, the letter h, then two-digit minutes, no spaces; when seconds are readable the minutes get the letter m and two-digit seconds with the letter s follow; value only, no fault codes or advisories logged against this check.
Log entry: 1h27m28s
